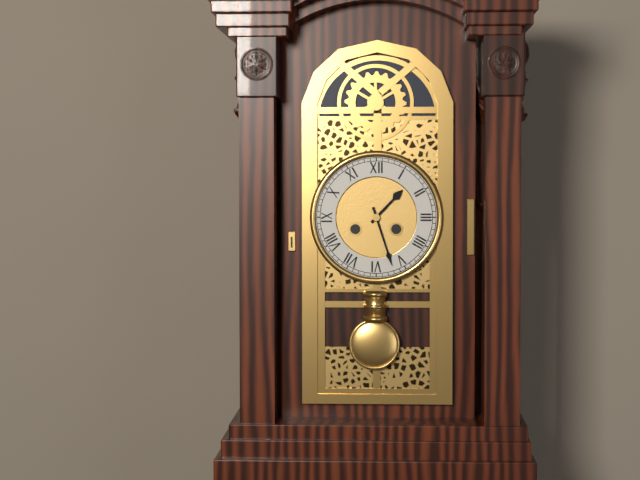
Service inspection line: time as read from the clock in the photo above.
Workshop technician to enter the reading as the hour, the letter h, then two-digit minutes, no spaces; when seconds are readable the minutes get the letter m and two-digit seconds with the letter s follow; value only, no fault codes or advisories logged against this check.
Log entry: 1h27
